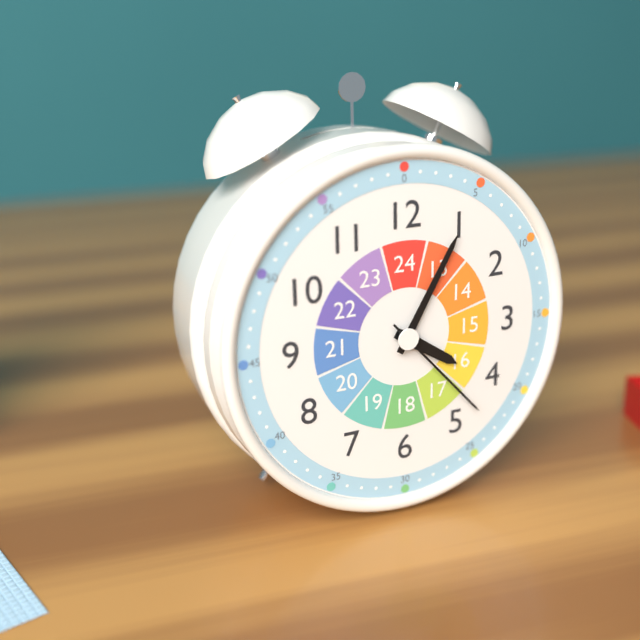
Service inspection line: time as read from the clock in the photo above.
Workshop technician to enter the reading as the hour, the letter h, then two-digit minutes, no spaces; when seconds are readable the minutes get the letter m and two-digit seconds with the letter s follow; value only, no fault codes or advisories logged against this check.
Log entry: 4h05m23s
